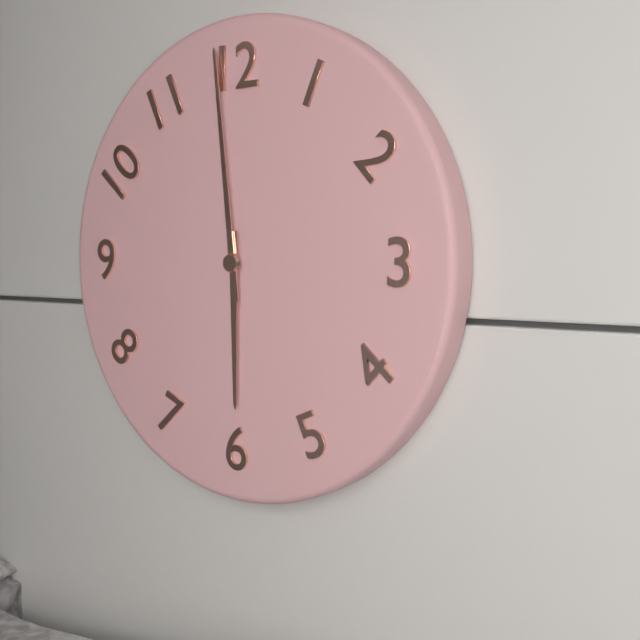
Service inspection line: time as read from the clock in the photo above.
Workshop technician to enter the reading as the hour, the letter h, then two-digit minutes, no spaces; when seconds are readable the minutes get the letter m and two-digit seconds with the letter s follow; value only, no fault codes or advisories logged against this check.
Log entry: 5h59
